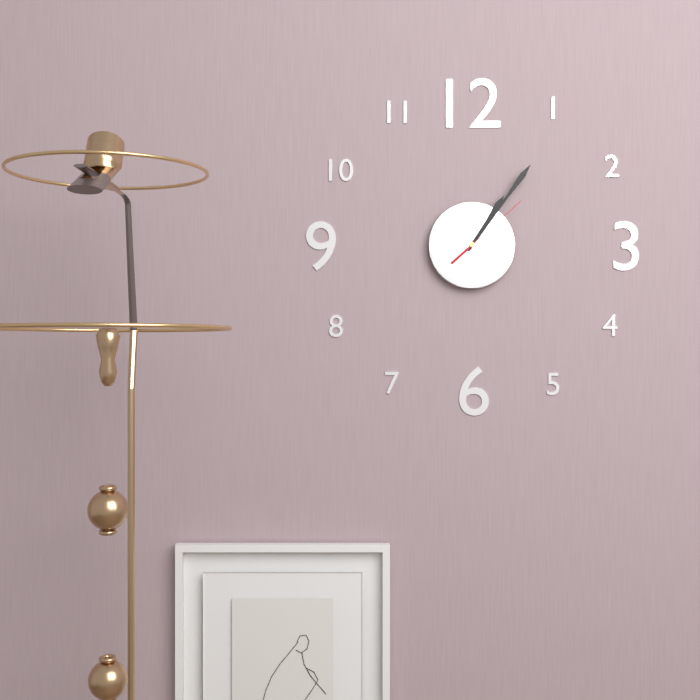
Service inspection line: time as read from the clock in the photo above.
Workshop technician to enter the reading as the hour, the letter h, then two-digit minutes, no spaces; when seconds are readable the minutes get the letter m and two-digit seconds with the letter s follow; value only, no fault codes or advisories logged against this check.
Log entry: 1h06m08s
